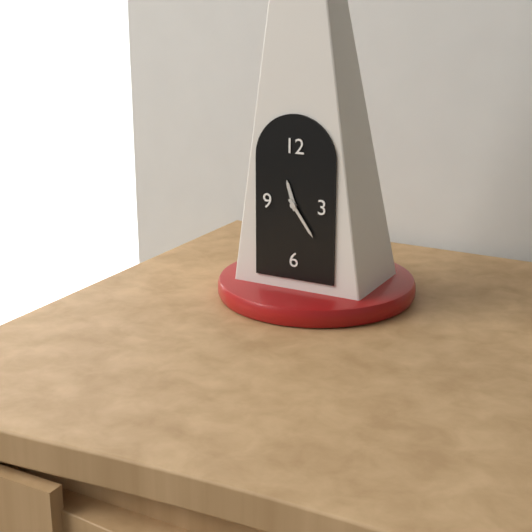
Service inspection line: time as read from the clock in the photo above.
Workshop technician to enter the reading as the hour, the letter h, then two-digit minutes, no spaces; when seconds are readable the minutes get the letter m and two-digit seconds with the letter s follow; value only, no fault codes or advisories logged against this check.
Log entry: 11h24
